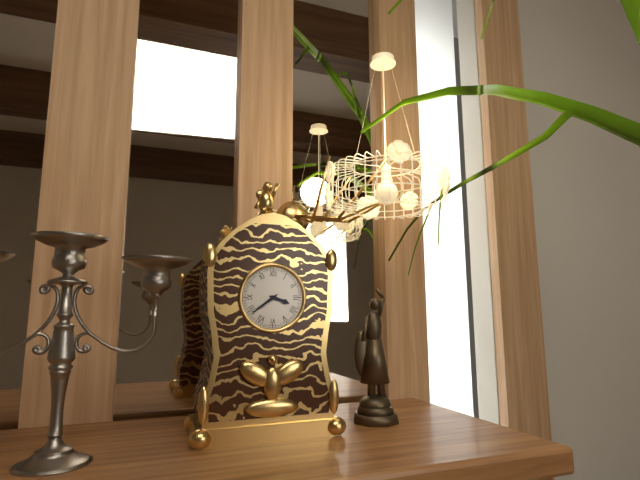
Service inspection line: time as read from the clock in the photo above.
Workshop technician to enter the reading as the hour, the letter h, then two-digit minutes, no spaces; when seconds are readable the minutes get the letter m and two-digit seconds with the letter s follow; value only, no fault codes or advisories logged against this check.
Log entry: 3h39
